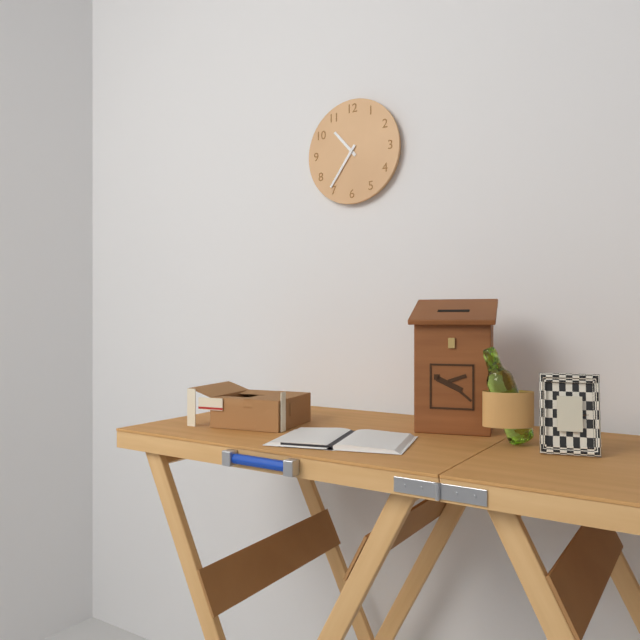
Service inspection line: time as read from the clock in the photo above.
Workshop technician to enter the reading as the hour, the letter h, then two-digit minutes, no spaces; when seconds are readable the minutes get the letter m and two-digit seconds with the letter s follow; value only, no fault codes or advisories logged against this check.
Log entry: 10h36
